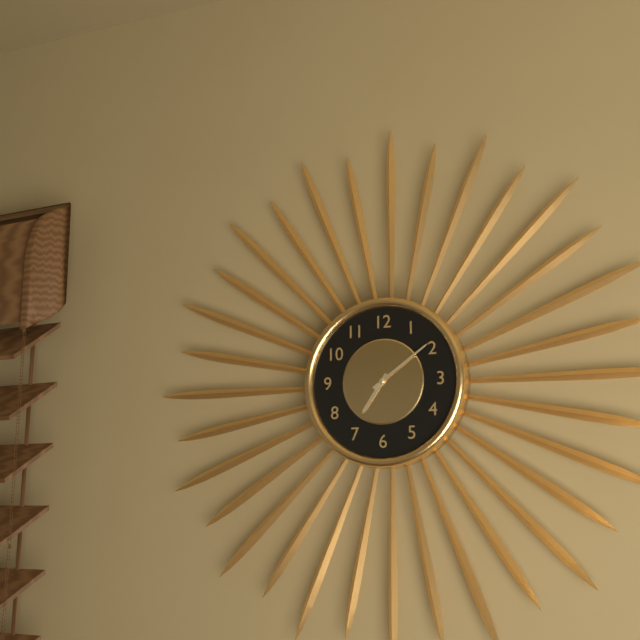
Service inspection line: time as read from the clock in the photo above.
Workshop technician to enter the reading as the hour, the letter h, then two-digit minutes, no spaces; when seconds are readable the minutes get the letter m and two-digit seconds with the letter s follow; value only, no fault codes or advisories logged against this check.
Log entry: 7h09
